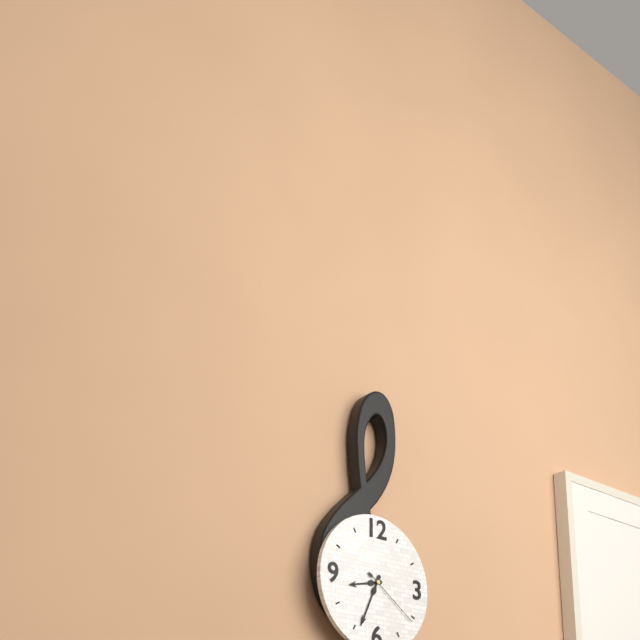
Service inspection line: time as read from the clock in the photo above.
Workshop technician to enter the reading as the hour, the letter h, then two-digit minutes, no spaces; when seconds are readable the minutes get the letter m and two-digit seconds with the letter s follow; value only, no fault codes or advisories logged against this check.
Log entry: 8h34m21s
